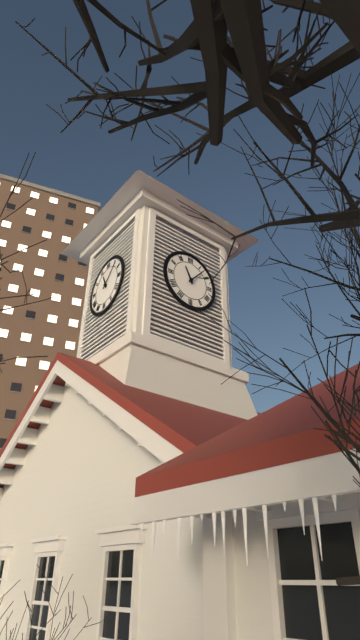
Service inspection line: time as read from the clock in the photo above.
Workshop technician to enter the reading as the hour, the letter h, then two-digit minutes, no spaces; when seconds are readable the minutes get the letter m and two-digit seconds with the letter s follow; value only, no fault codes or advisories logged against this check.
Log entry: 11h07
